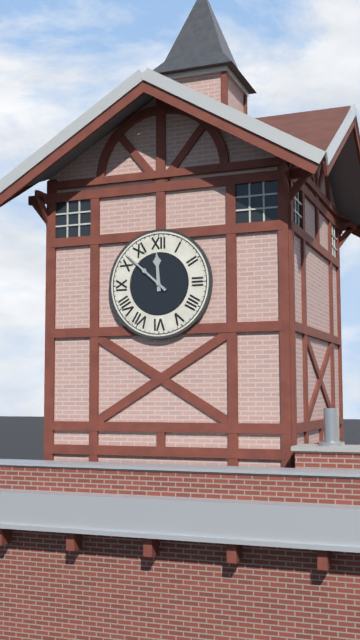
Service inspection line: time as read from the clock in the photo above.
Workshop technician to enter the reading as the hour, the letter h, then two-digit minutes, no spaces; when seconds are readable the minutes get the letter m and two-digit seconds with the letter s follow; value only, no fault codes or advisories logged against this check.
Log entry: 11h52
